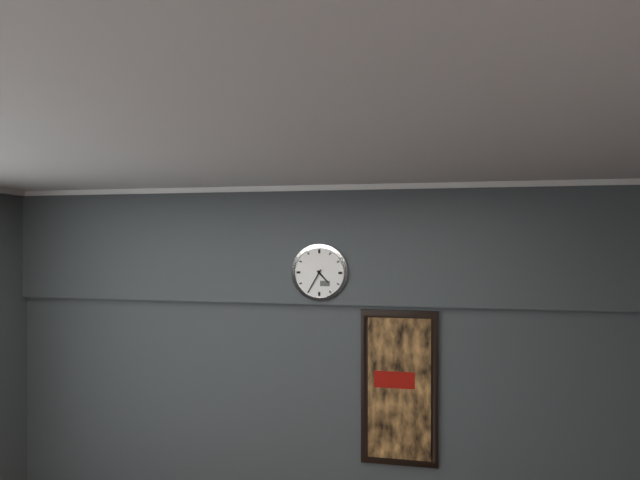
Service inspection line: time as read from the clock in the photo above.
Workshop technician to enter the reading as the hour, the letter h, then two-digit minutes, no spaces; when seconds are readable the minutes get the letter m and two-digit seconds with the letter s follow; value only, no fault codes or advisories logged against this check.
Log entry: 4h35
